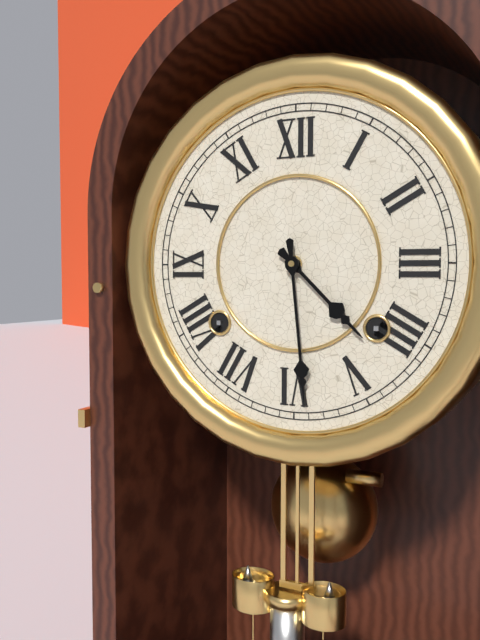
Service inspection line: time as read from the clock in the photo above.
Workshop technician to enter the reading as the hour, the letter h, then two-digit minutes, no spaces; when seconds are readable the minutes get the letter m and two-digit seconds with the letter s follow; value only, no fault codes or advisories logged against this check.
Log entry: 4h29
